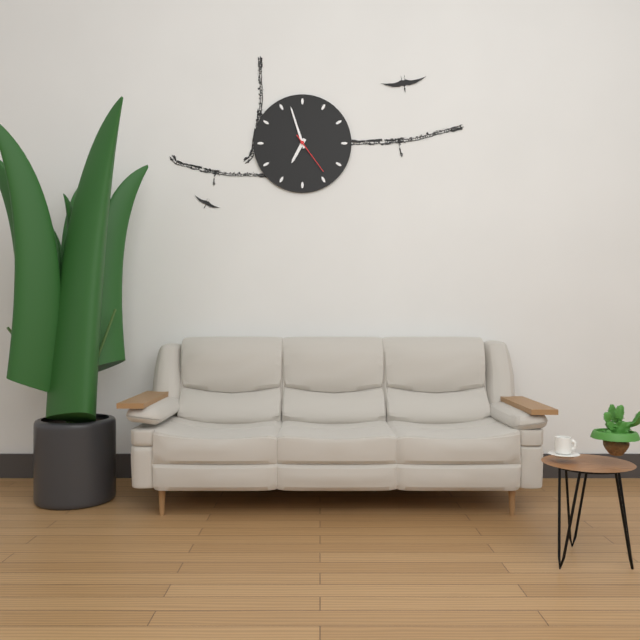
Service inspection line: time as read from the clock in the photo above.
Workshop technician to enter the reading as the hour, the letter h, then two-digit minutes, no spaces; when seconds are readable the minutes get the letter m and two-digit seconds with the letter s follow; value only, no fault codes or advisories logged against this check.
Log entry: 6h57
